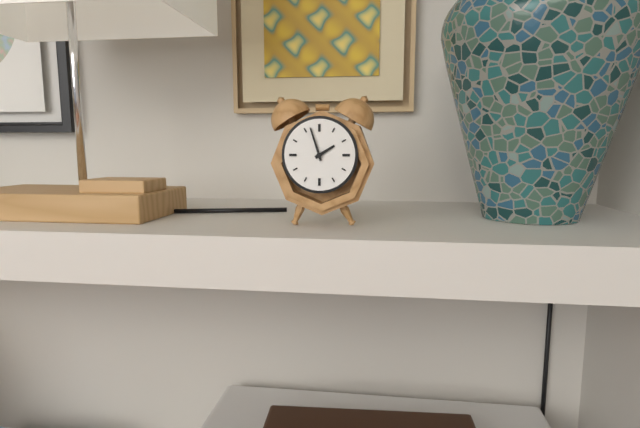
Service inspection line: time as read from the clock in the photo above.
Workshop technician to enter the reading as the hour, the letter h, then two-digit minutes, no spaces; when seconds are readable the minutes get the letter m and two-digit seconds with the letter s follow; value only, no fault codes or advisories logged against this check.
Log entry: 1h57
